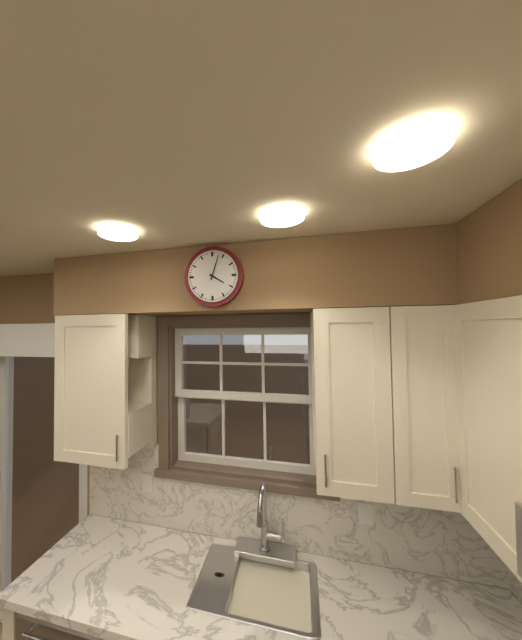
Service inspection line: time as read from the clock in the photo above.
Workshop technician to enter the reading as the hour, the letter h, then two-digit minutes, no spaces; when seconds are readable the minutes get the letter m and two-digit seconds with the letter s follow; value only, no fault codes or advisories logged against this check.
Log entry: 4h03
